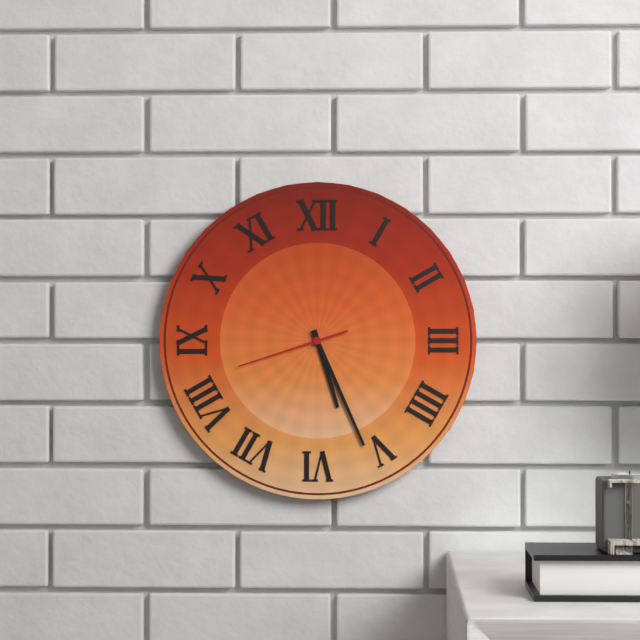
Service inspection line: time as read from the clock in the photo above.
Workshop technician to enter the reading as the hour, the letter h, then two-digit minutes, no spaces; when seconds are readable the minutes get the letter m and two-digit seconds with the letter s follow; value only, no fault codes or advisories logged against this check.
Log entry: 5h26m42s
